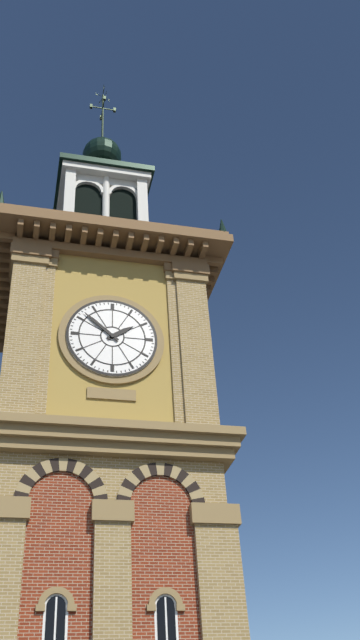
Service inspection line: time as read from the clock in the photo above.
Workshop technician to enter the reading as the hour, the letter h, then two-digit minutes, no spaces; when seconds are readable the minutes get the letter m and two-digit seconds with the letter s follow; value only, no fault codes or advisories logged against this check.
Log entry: 1h52
